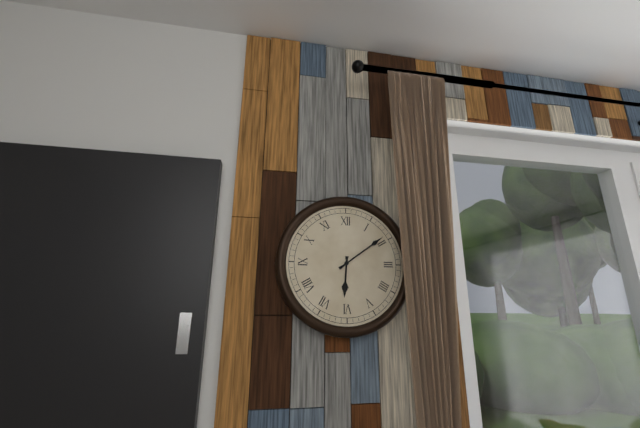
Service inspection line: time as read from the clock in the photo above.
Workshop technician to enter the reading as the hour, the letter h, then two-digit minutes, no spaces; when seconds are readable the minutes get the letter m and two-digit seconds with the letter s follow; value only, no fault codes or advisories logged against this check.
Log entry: 6h09
